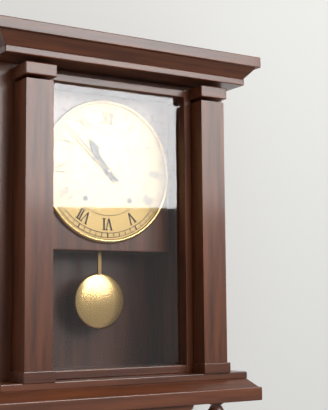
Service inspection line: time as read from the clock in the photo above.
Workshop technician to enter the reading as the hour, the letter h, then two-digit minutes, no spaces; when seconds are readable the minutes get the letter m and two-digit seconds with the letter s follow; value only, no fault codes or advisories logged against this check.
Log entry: 10h52
